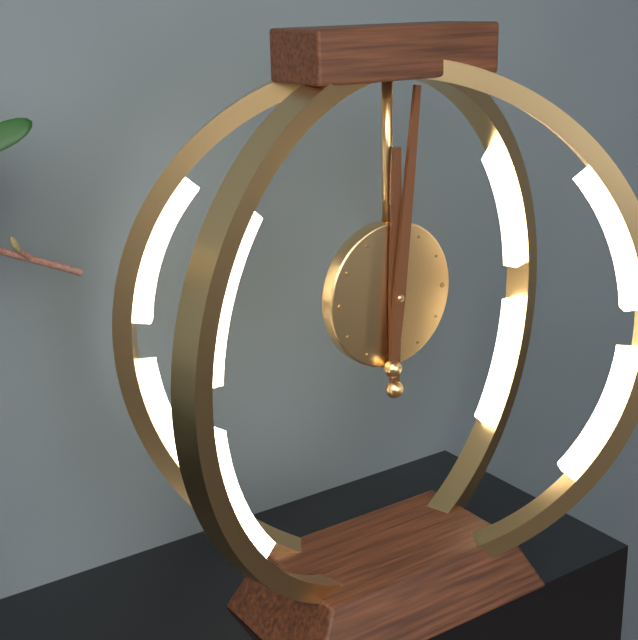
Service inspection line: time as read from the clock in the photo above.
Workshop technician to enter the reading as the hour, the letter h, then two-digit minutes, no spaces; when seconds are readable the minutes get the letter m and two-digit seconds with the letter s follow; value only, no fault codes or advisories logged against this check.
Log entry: 12h01
